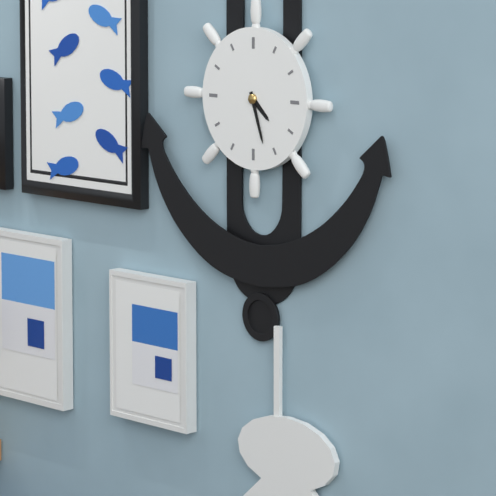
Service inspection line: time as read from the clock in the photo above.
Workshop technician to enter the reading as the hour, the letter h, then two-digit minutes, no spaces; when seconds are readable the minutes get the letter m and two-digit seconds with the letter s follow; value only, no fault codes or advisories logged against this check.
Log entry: 4h27
